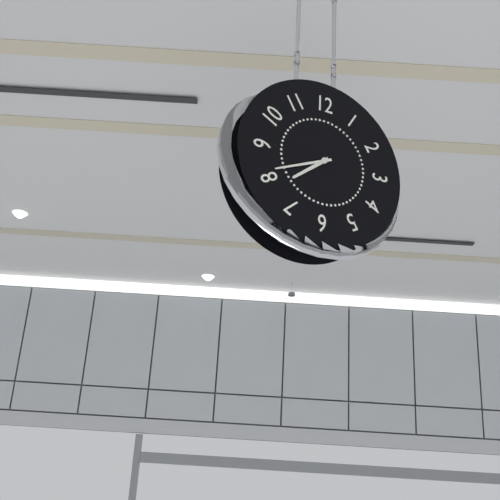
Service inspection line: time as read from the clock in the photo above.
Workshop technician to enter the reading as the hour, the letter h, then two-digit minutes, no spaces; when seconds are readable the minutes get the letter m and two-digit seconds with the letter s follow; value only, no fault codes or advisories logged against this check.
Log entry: 7h41
